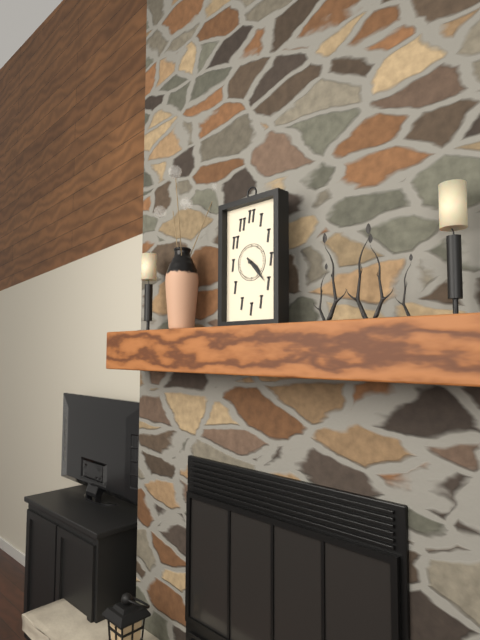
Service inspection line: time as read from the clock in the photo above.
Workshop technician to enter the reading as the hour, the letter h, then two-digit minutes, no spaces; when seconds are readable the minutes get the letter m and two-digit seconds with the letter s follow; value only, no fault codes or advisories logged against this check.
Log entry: 4h23
